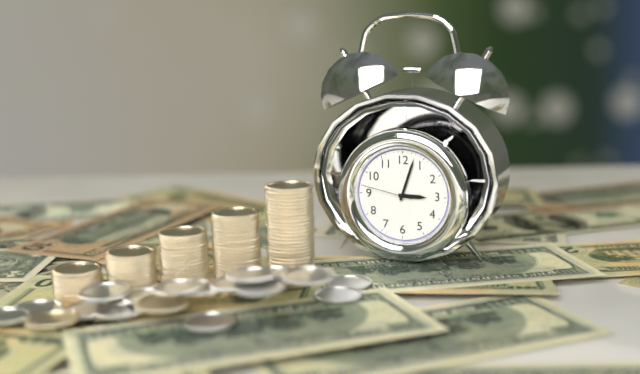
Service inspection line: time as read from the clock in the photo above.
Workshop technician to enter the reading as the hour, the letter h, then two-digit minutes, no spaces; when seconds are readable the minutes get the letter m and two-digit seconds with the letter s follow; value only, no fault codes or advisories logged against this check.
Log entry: 3h03m47s
